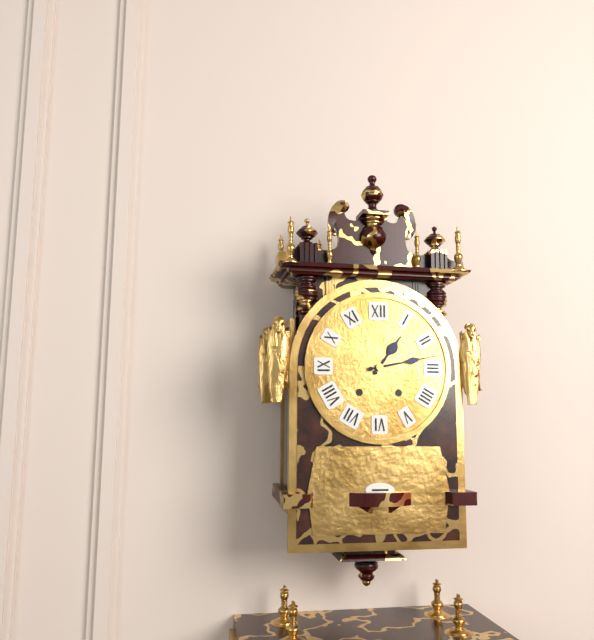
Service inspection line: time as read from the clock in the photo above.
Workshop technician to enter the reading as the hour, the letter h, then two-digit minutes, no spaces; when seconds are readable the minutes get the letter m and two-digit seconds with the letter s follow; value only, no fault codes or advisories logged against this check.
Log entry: 1h13
